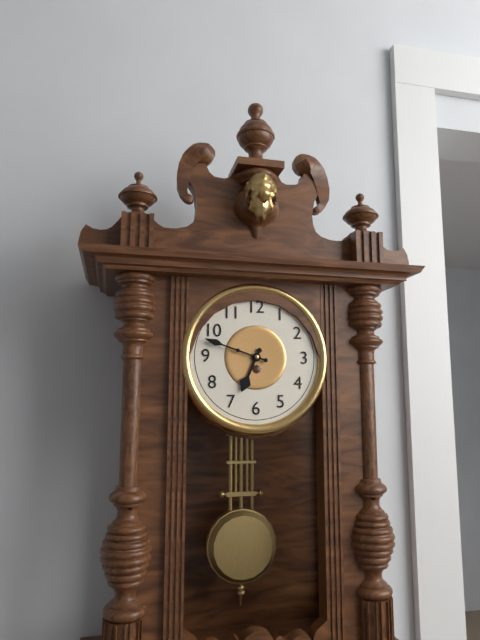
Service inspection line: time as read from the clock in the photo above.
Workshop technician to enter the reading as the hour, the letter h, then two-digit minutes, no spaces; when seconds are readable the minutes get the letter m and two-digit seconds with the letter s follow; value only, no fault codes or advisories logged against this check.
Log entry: 6h48
